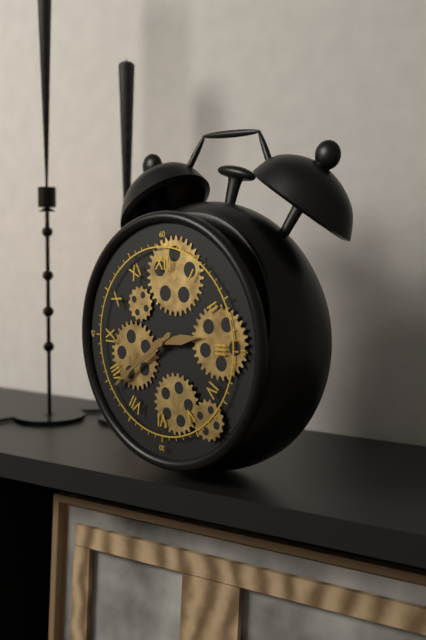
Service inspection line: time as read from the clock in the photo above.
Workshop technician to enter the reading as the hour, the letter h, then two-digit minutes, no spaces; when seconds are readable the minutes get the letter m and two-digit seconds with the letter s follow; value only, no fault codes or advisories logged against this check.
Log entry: 2h39
